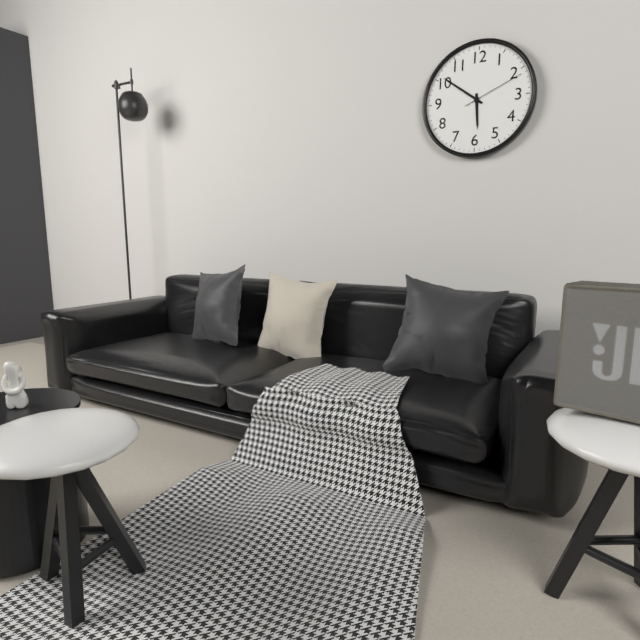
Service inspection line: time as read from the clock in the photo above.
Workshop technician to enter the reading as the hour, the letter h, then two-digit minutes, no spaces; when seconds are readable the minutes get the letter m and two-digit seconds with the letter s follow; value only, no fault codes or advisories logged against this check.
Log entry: 5h51m11s
